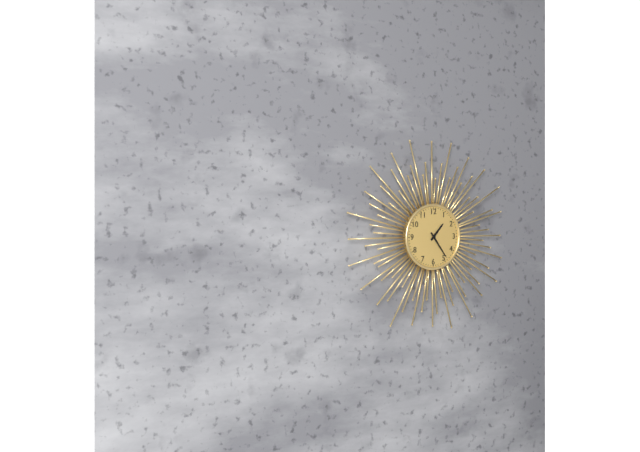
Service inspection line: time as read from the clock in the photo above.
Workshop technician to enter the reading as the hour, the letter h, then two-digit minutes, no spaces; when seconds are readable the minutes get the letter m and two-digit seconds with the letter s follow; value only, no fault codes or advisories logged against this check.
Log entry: 1h24
